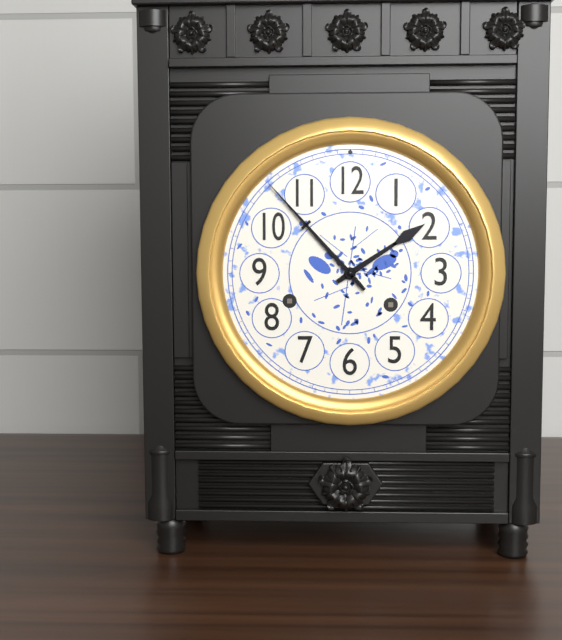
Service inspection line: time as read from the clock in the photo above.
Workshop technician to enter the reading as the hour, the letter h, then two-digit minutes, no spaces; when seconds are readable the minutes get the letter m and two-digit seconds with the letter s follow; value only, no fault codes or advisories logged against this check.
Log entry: 1h53
